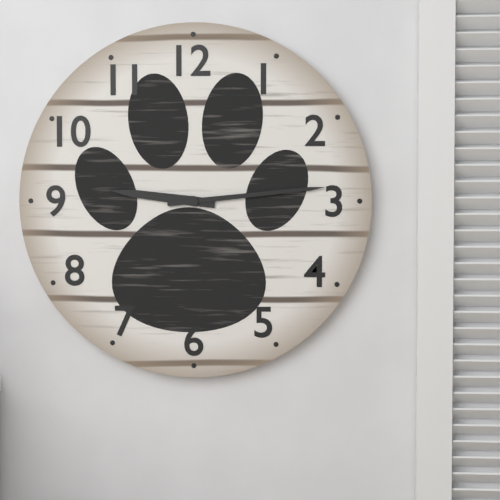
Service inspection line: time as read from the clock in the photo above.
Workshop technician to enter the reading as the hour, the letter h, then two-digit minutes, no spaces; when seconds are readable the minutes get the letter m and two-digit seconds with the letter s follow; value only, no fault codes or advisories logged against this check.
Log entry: 9h14
